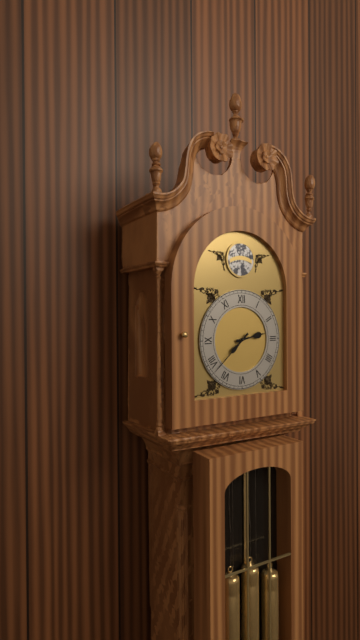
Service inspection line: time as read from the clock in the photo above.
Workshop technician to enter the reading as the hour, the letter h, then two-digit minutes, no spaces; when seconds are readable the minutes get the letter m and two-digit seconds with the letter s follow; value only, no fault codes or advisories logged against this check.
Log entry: 2h38
